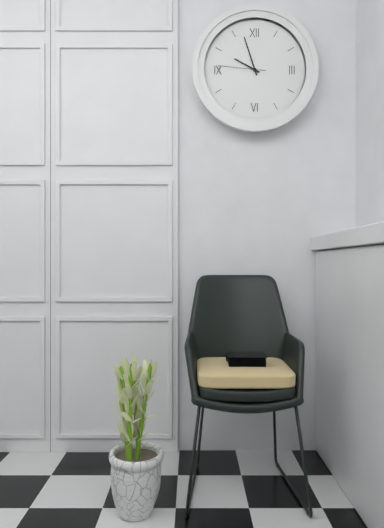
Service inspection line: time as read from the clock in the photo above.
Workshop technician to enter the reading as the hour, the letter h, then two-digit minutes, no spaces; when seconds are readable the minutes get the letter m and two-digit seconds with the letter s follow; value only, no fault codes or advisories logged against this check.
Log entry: 9h57
